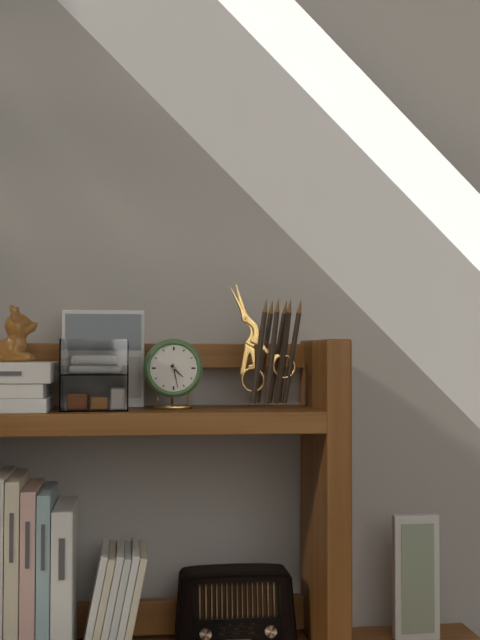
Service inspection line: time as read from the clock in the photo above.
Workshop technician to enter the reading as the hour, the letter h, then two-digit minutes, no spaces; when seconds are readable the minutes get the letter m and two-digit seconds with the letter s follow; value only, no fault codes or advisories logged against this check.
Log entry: 4h28
